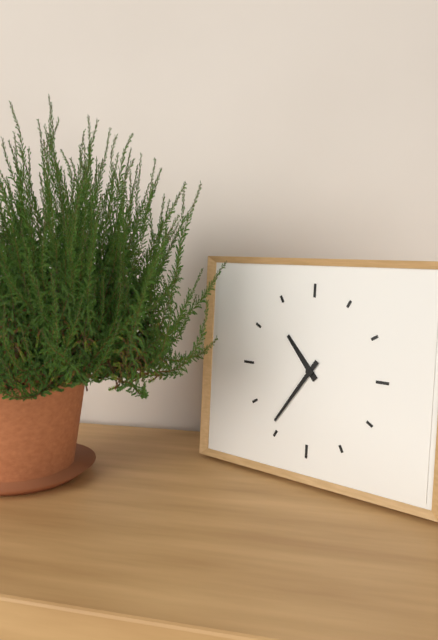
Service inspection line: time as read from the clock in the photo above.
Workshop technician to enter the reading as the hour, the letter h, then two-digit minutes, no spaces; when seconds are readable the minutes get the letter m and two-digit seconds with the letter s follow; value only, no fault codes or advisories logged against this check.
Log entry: 10h36
